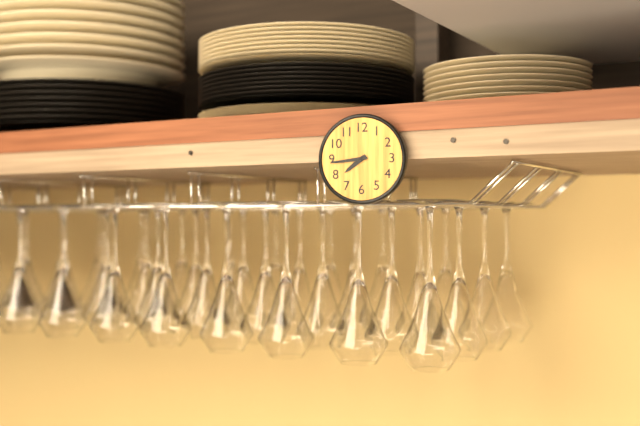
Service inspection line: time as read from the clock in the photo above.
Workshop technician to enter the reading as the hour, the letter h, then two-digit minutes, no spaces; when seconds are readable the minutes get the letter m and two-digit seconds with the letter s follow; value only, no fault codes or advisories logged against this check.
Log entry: 7h44
